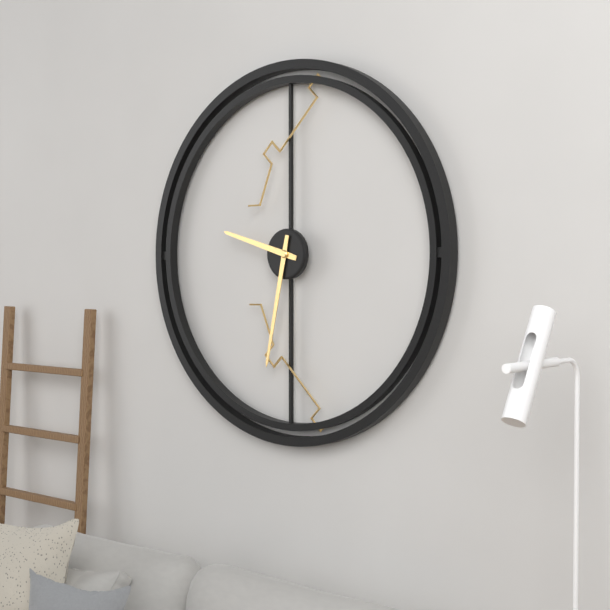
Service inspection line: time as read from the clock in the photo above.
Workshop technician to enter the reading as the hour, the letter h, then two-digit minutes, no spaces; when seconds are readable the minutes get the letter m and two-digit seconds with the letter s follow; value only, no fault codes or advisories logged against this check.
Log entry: 9h32
